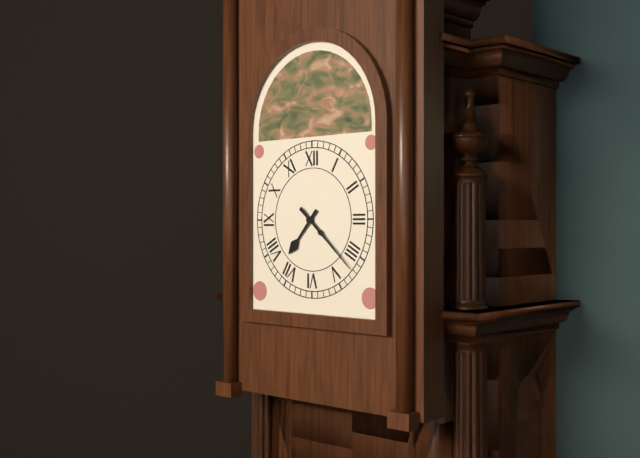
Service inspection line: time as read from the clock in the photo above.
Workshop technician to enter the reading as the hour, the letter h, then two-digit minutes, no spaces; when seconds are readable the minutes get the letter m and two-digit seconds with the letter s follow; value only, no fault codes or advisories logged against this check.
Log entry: 7h22
